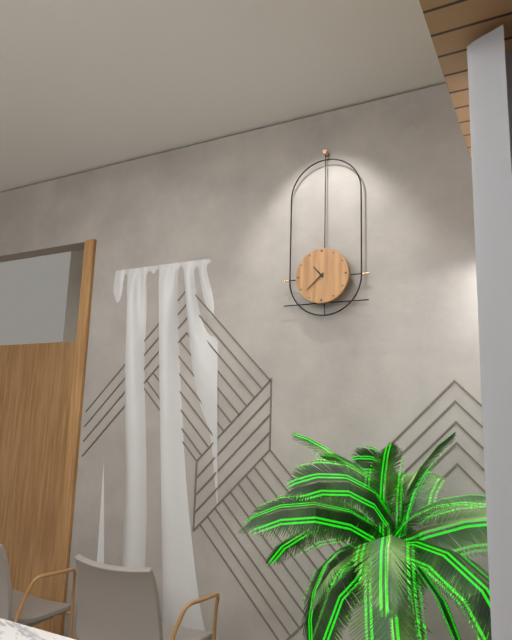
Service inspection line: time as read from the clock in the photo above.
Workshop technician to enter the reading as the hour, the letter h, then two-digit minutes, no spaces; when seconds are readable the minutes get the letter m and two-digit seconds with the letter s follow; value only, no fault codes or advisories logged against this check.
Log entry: 10h38
